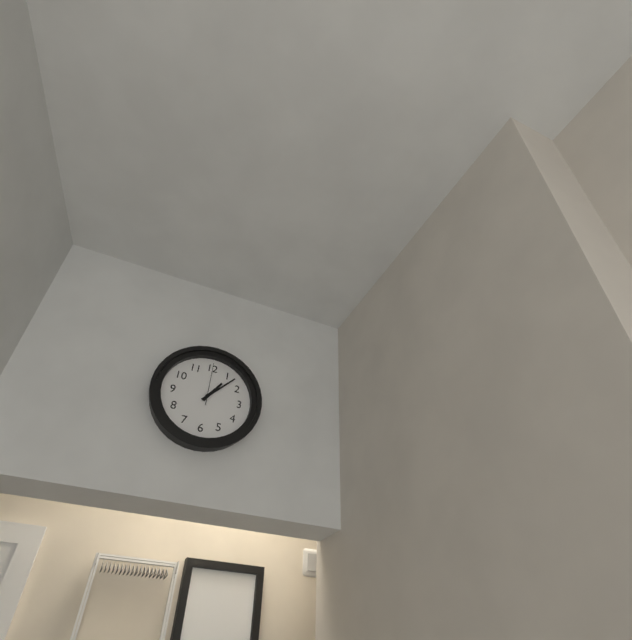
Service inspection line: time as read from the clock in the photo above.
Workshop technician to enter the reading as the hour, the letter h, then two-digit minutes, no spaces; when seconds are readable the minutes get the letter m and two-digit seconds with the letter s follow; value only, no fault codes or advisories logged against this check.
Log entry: 1h07
